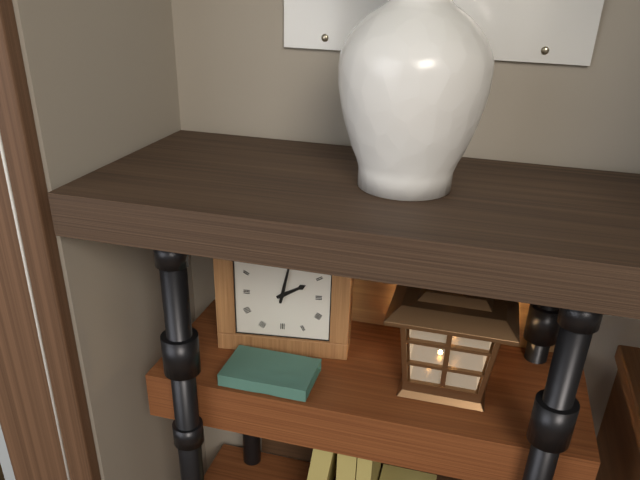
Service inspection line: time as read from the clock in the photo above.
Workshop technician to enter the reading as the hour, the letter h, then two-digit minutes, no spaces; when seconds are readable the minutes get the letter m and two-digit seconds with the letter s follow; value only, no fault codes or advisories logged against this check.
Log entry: 2h02
